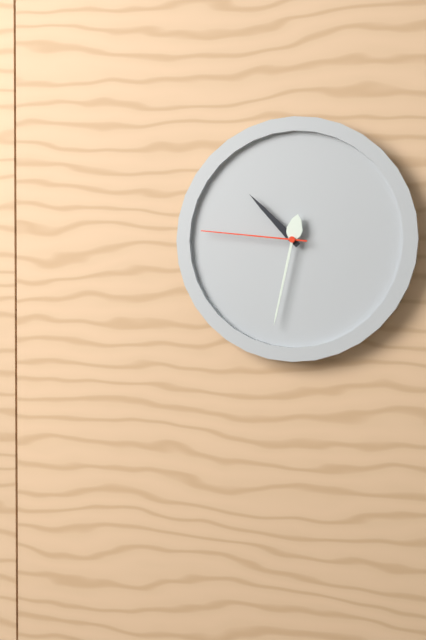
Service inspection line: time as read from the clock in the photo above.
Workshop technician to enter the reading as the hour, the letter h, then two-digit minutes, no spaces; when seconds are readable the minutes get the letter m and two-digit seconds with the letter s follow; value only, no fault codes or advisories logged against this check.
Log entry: 10h32m46s
